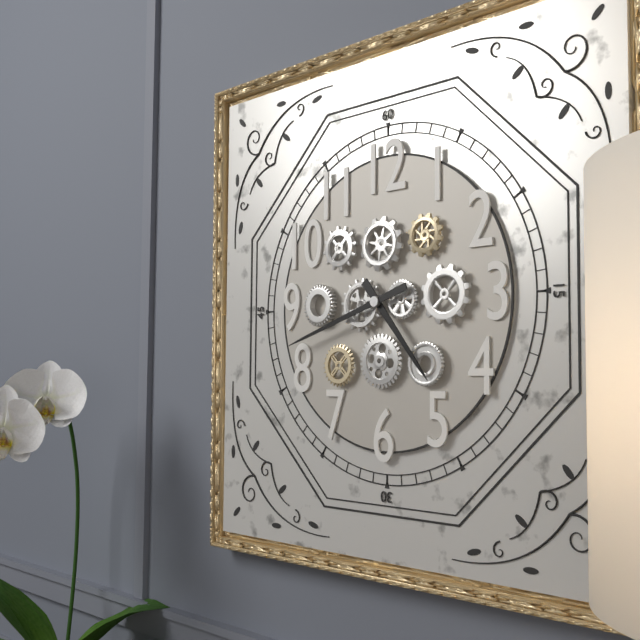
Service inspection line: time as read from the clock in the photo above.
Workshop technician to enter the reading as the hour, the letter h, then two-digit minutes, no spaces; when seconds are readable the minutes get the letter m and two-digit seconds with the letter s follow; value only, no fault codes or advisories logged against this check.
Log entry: 4h42
